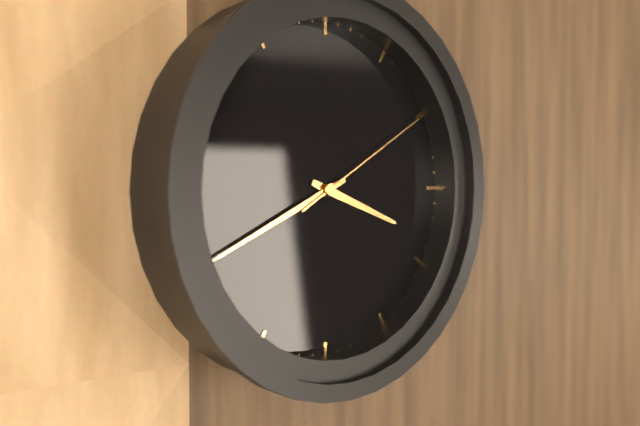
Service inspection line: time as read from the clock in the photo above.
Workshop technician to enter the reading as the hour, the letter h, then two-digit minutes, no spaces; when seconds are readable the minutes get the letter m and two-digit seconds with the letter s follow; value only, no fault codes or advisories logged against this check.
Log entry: 3h41m10s
